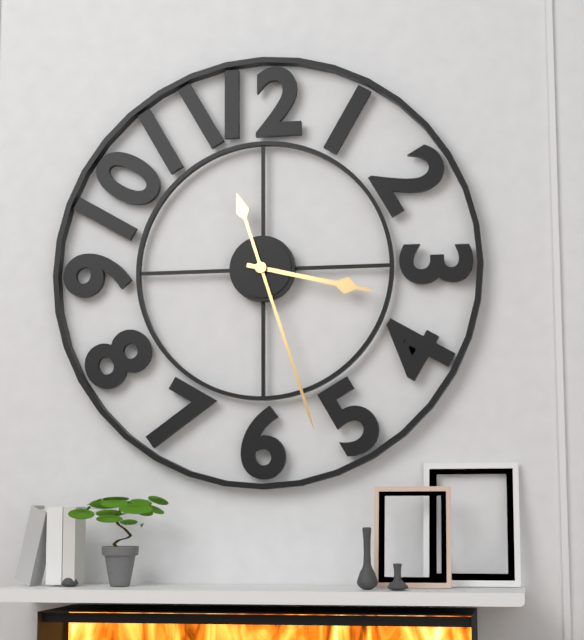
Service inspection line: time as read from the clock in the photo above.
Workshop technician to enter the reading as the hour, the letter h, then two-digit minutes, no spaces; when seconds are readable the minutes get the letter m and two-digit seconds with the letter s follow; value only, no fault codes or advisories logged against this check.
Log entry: 3h27
